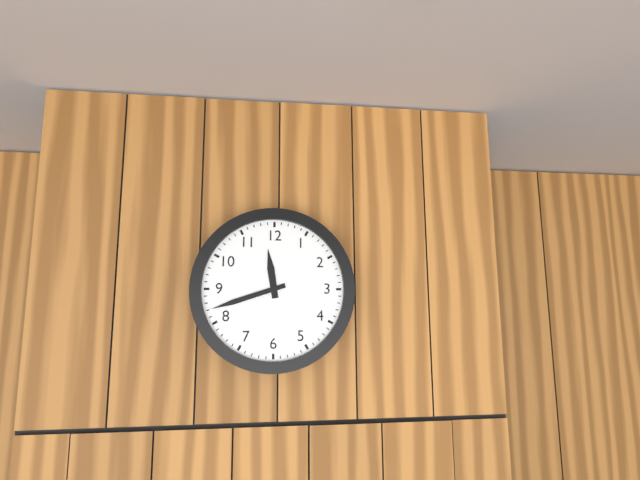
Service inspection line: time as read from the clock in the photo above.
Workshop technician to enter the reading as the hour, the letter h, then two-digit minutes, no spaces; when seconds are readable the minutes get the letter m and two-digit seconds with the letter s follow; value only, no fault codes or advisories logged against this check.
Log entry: 11h42
